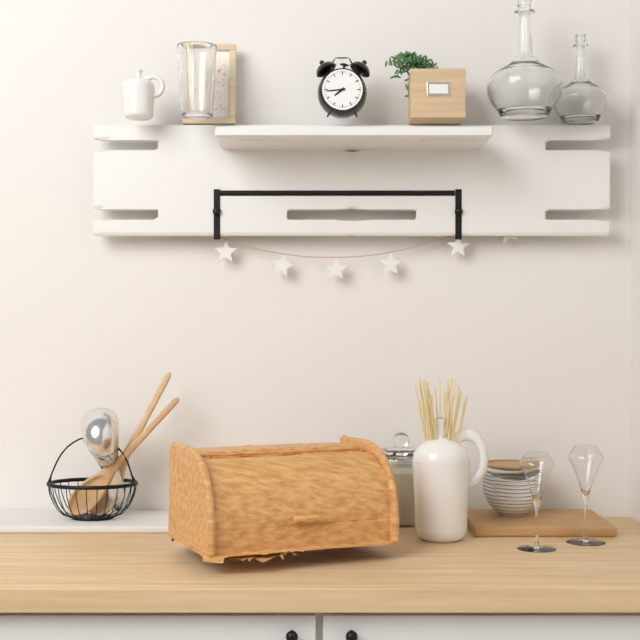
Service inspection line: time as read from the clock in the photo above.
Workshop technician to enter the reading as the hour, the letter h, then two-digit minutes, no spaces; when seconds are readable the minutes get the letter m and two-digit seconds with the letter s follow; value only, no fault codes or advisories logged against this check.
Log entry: 7h44
